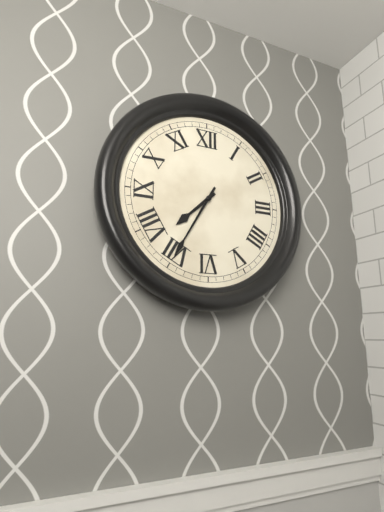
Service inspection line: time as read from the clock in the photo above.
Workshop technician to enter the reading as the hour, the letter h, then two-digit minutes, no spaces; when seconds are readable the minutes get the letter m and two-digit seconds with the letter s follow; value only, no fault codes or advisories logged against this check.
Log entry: 7h35
